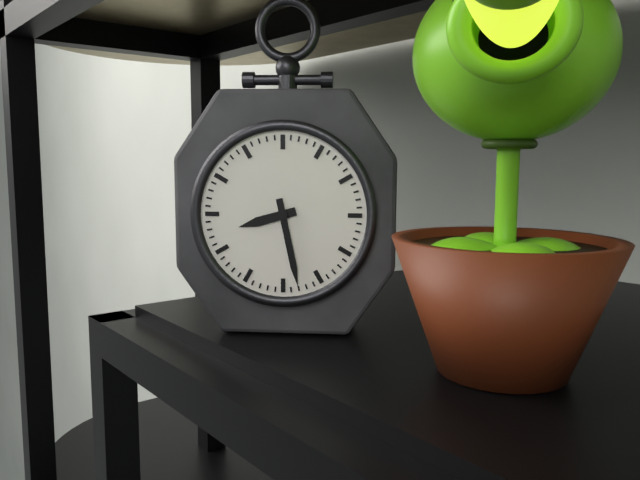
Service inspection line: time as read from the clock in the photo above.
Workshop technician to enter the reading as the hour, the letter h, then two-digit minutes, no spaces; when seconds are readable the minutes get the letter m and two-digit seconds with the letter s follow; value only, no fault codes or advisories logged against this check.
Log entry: 8h28
